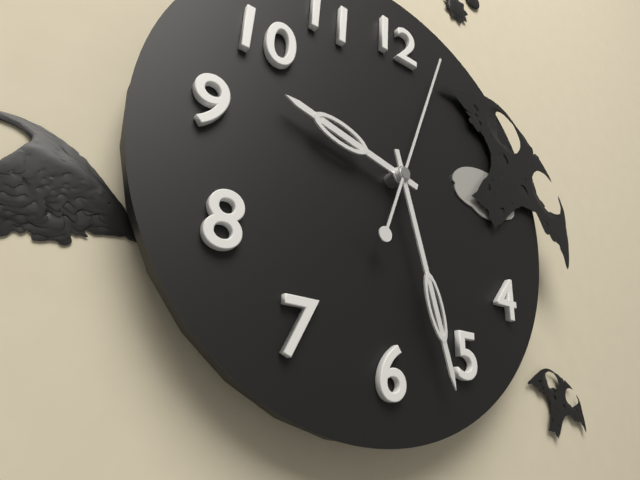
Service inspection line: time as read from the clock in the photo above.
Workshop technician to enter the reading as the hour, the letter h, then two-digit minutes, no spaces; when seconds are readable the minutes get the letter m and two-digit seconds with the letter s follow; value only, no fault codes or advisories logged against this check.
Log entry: 9h27m03s
